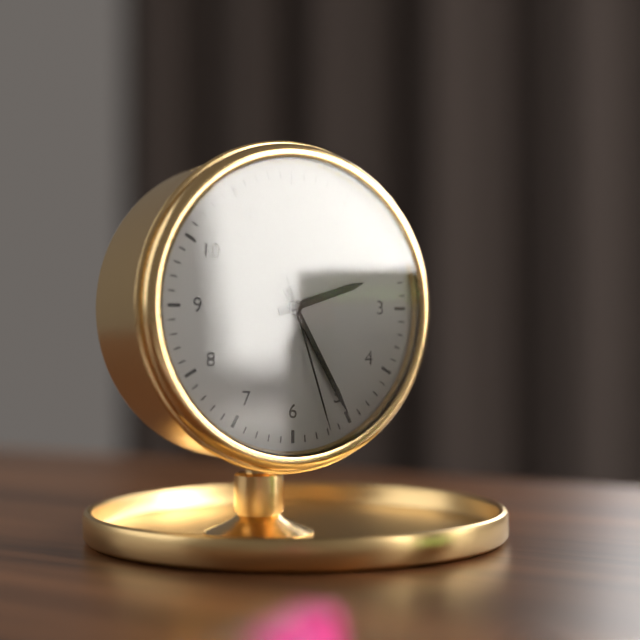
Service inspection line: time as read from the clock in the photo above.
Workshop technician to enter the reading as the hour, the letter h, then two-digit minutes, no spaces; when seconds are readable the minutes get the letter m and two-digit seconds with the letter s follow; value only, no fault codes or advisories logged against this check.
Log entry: 2h25m27s
